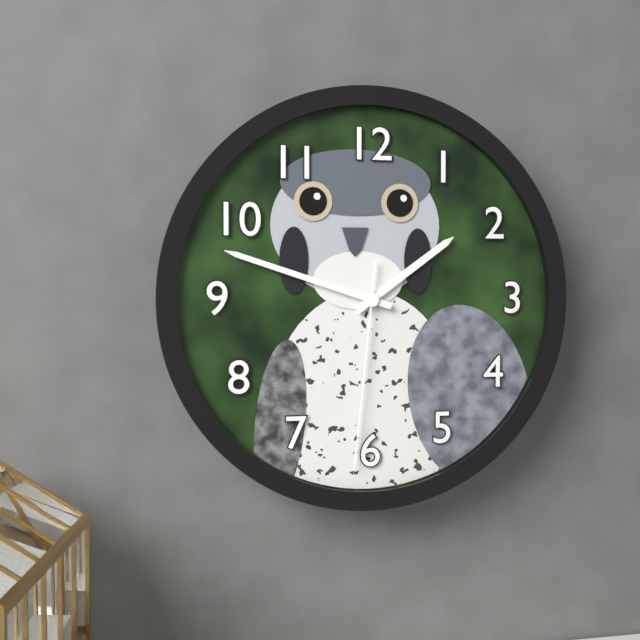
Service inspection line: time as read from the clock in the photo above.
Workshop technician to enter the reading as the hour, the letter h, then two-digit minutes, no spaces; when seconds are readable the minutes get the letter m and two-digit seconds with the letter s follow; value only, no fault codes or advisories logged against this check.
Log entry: 1h48m31s
